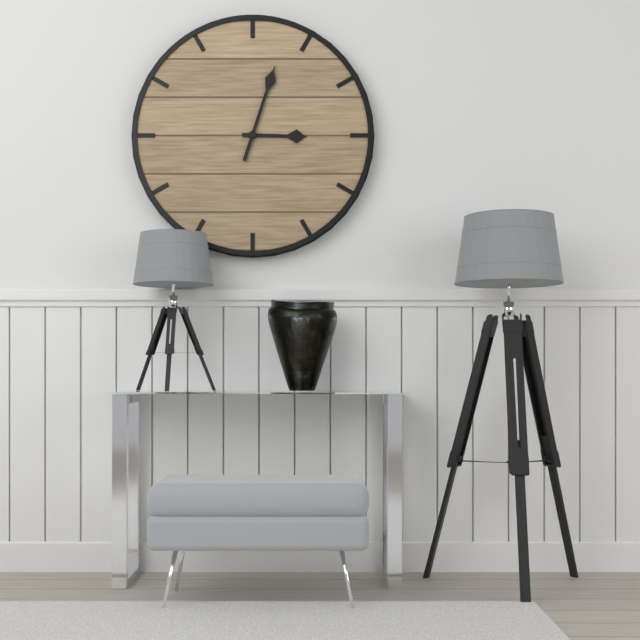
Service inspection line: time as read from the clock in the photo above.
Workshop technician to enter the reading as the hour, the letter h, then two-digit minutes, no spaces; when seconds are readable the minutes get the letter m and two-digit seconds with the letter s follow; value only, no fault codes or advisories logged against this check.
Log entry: 3h03
